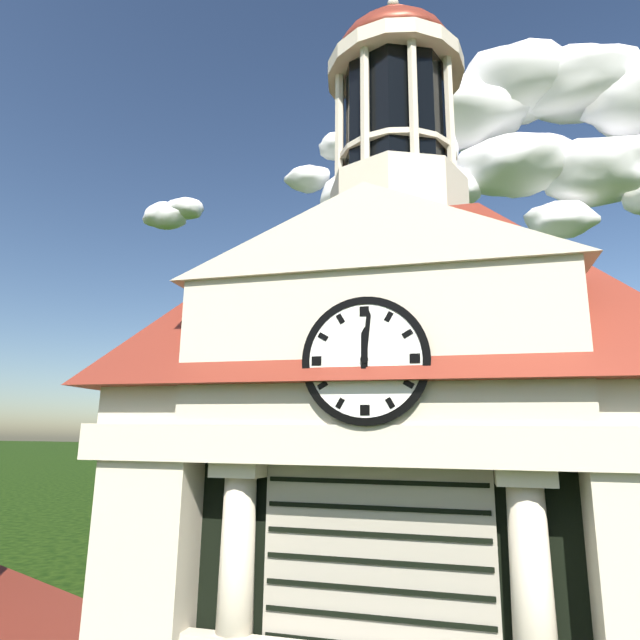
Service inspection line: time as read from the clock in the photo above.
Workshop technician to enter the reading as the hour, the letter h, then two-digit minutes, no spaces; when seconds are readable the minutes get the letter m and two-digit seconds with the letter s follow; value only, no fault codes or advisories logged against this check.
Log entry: 12h01
